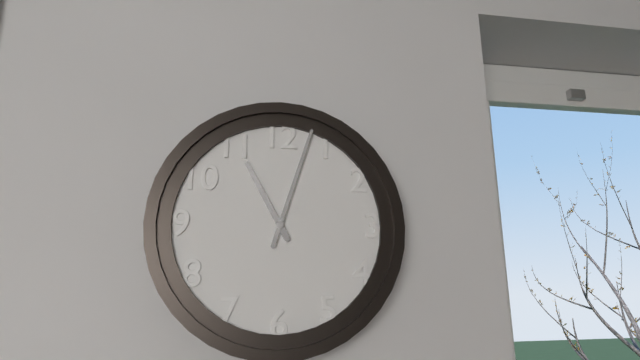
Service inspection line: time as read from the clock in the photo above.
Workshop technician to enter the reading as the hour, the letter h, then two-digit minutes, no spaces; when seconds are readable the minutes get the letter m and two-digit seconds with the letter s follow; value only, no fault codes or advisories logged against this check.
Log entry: 11h03
